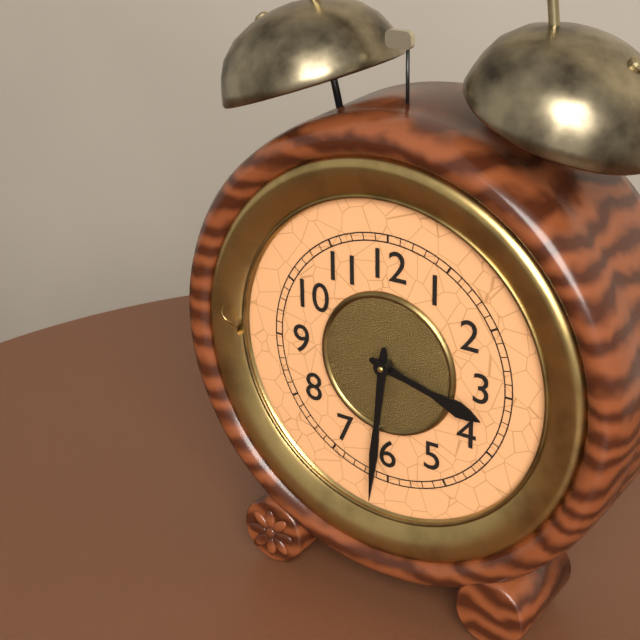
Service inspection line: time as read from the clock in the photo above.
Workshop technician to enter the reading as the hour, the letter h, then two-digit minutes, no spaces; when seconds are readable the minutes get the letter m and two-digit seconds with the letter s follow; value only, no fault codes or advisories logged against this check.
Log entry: 3h31
